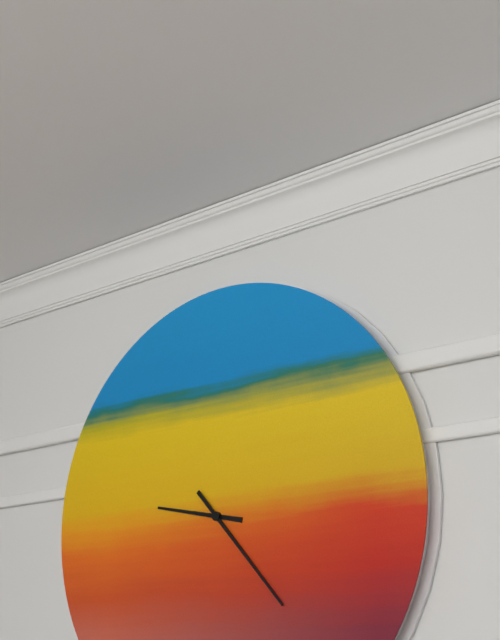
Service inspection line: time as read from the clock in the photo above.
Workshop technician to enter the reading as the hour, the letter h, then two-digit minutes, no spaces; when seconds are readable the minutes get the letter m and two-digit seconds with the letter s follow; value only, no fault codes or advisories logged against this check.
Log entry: 9h23
